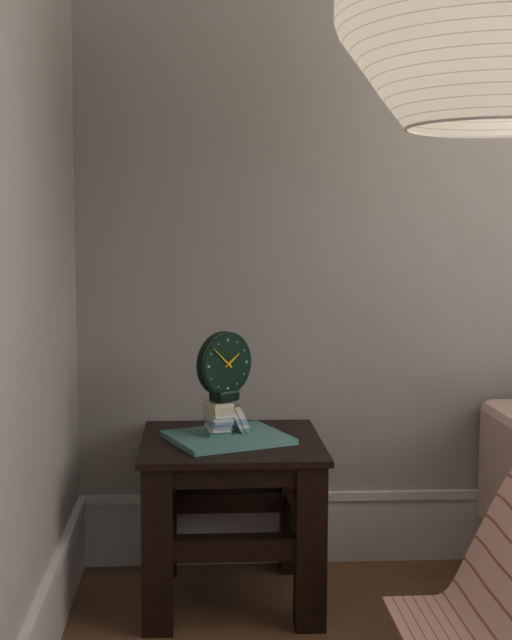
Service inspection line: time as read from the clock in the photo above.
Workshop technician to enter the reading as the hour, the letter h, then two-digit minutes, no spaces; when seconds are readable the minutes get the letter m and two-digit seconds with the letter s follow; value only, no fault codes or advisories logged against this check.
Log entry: 1h52
